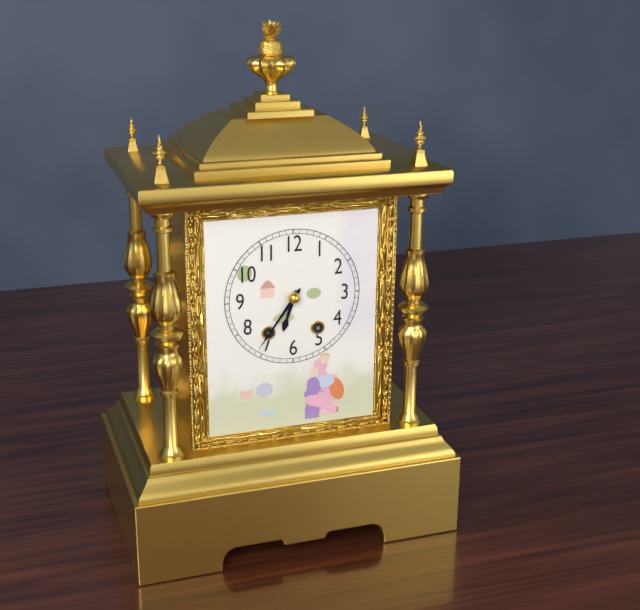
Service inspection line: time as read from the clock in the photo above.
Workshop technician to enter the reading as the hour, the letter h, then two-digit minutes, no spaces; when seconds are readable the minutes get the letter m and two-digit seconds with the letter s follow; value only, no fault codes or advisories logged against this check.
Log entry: 6h36
